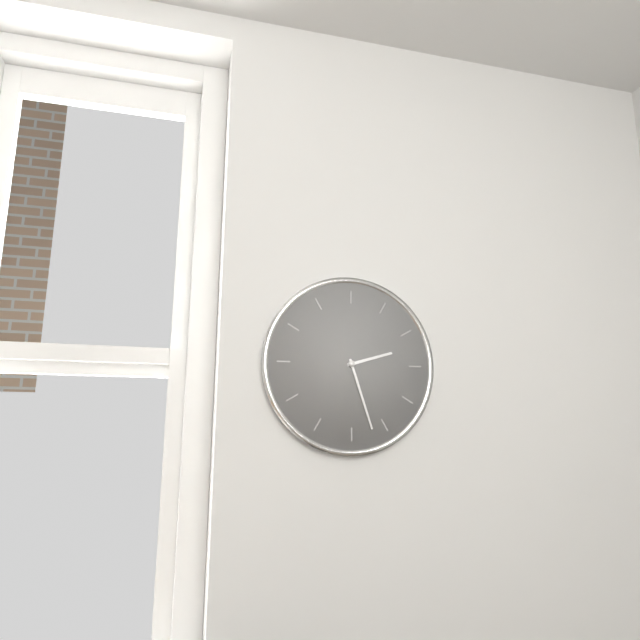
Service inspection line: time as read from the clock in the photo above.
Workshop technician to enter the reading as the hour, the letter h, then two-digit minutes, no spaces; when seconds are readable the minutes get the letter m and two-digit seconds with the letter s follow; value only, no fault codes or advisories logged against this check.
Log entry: 2h27
